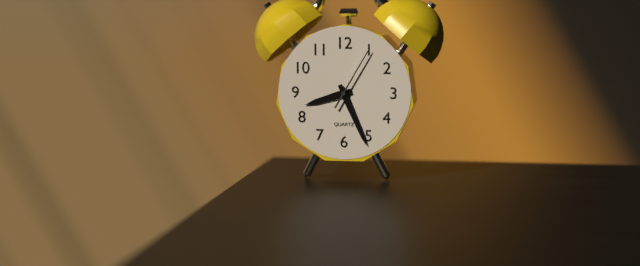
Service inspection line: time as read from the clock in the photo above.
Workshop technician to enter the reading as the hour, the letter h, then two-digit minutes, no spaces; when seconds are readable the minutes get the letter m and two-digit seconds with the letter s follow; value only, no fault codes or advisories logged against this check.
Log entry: 8h26m05s
